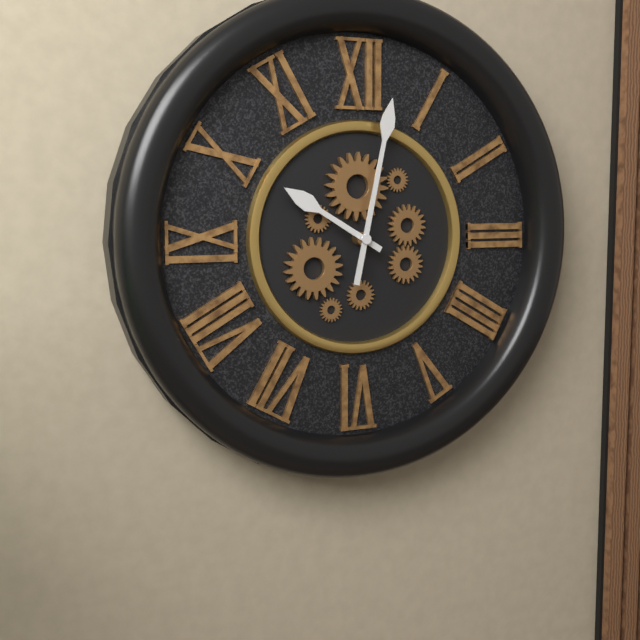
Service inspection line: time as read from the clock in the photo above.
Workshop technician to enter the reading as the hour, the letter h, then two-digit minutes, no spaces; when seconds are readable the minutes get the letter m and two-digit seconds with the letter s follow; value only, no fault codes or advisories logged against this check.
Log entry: 10h02
